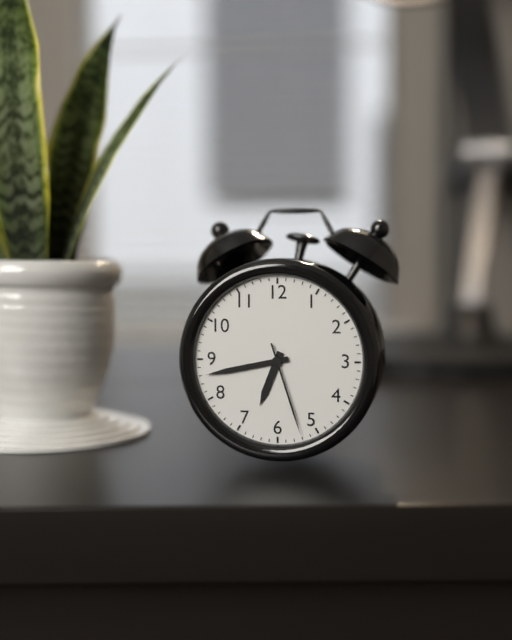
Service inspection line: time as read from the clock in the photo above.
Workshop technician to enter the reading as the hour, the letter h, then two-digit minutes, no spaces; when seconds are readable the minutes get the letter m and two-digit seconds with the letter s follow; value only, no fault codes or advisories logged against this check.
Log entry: 6h43m27s
